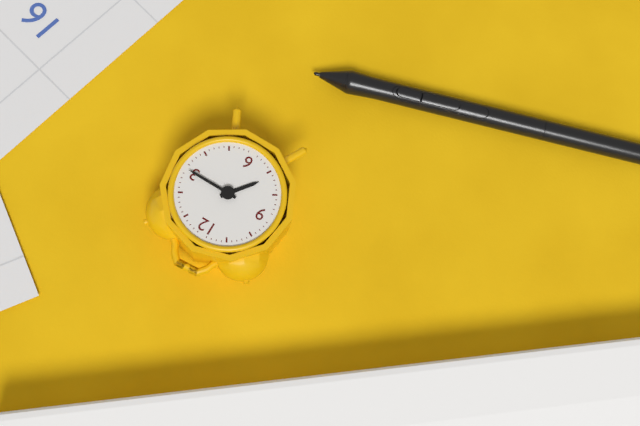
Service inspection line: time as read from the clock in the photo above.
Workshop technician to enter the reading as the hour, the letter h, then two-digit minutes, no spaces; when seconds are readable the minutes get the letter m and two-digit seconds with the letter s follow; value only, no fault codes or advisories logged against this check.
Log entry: 7h15
